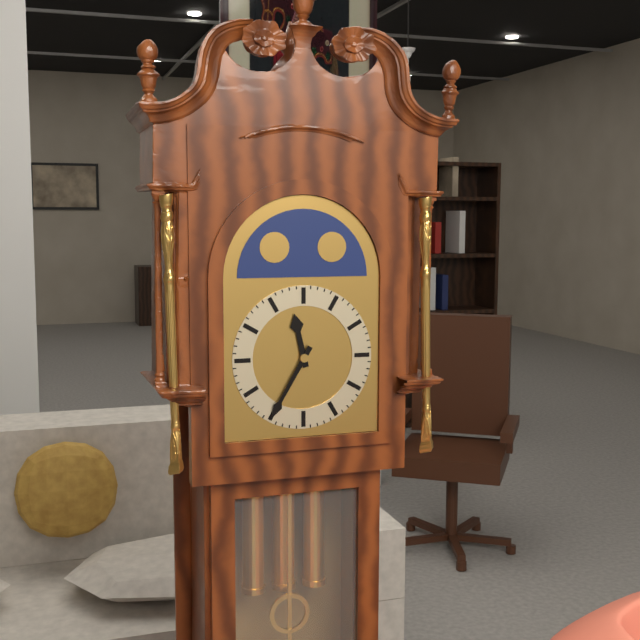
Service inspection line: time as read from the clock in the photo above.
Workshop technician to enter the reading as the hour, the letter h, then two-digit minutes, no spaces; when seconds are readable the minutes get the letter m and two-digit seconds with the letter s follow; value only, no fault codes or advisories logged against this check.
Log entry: 11h35
